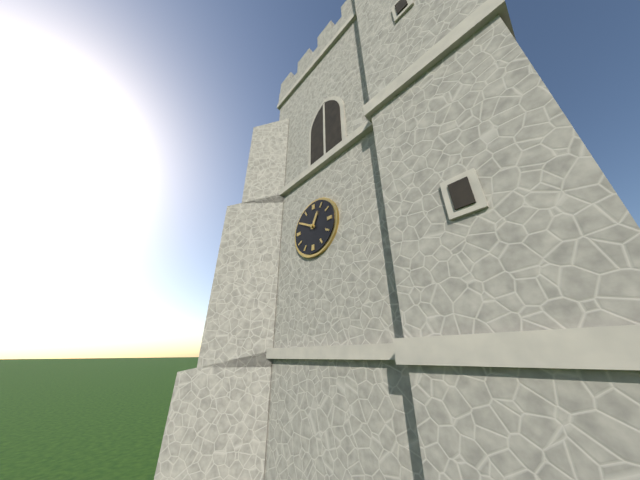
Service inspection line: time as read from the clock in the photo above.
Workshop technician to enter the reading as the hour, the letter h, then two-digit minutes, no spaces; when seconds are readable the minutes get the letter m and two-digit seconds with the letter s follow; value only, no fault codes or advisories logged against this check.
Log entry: 12h50
